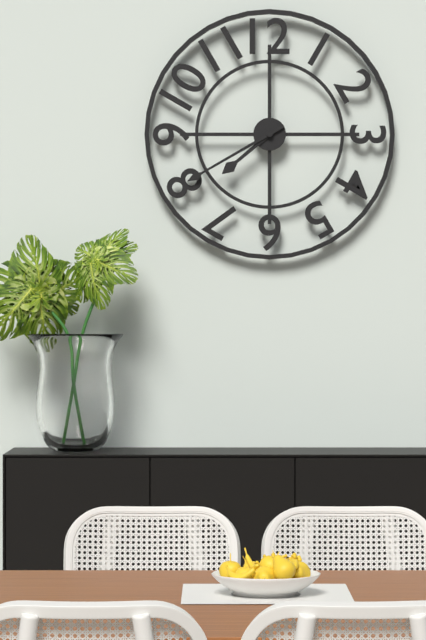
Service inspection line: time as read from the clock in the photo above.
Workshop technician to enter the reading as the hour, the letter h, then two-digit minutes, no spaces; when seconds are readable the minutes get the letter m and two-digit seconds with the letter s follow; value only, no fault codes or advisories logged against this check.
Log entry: 7h40
